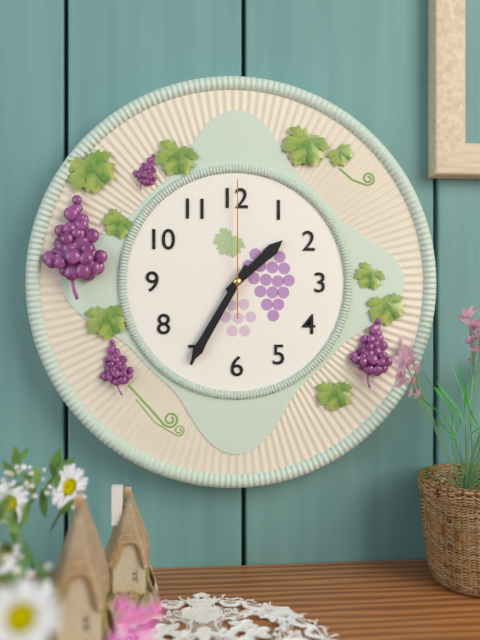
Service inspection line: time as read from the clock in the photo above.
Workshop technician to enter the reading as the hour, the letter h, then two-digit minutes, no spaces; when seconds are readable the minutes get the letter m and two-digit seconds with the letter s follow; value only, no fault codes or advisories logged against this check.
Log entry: 1h35m00s
